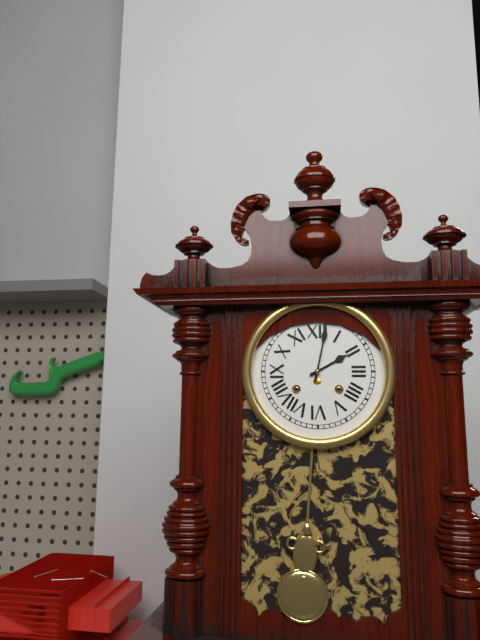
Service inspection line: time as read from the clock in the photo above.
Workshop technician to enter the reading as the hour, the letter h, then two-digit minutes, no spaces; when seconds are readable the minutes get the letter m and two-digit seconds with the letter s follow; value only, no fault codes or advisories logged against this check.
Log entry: 2h02
